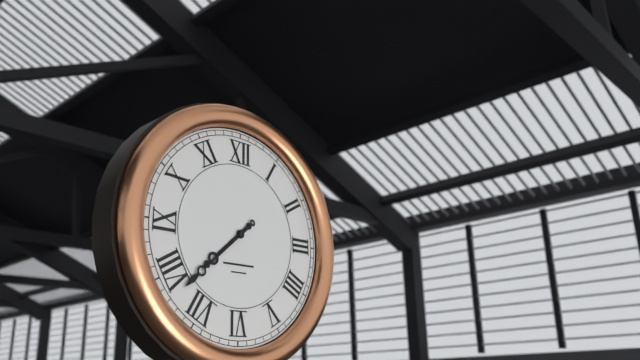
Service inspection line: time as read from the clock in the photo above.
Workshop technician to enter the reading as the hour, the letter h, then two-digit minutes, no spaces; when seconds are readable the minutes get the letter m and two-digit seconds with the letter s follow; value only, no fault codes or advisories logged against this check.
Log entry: 7h38
